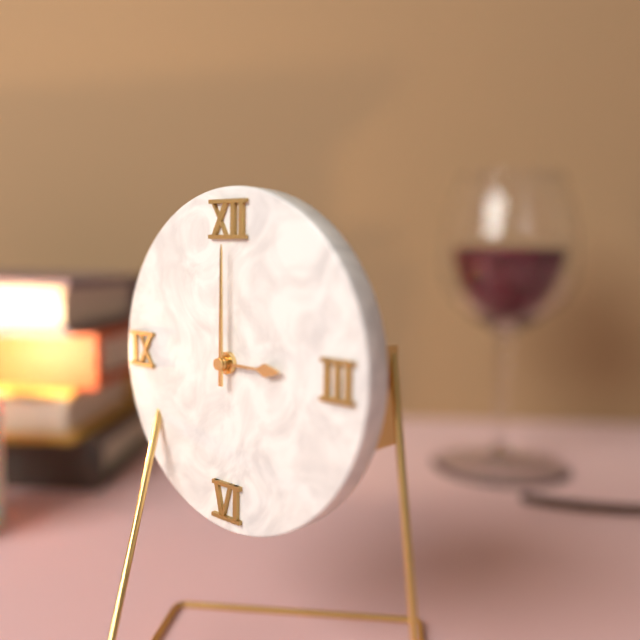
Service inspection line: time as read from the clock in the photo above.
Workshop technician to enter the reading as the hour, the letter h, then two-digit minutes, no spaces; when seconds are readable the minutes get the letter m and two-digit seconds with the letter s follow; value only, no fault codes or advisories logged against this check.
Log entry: 3h00
